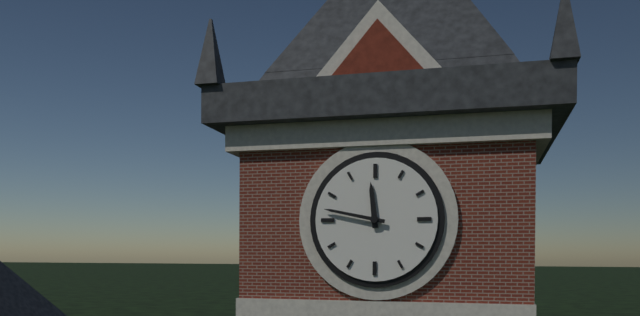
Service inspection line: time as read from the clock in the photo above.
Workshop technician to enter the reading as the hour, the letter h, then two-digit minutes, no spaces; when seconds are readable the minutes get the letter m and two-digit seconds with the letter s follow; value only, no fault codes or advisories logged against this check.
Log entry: 11h47
